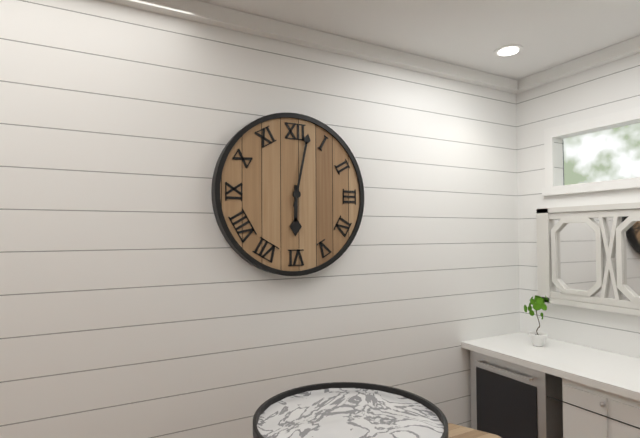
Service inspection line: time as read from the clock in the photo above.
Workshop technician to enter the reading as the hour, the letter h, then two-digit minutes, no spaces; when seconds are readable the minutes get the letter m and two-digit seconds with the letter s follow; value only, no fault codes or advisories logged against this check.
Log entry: 6h02
